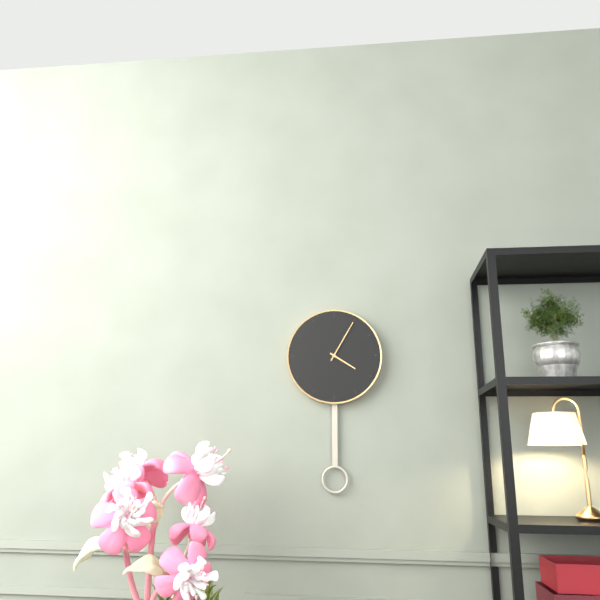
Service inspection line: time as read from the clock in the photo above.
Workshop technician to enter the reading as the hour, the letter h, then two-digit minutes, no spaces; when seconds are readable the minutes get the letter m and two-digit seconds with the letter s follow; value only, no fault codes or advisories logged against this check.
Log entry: 4h05
